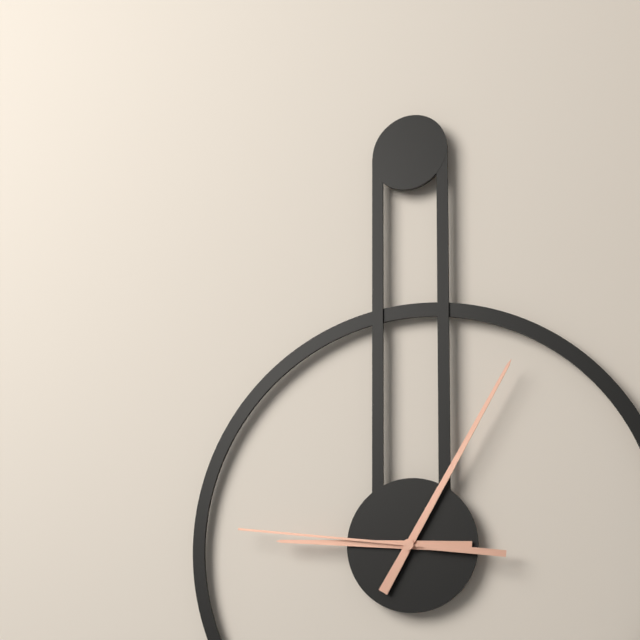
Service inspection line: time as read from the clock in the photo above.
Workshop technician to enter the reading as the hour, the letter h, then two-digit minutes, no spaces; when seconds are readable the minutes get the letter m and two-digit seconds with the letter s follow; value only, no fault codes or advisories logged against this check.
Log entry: 9h05m46s
